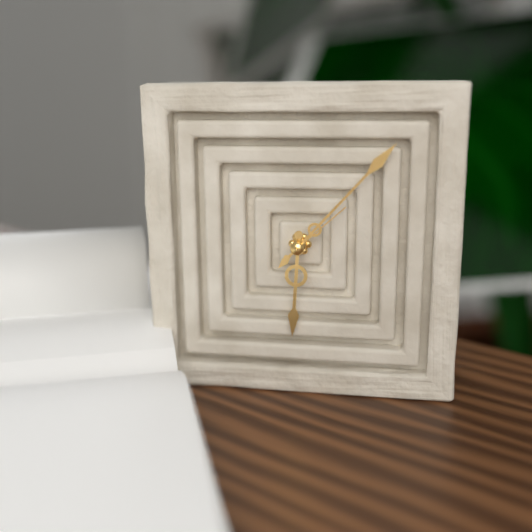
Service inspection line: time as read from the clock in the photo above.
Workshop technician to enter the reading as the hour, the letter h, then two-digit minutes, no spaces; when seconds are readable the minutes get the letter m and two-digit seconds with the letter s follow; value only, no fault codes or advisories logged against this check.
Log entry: 6h07m08s
